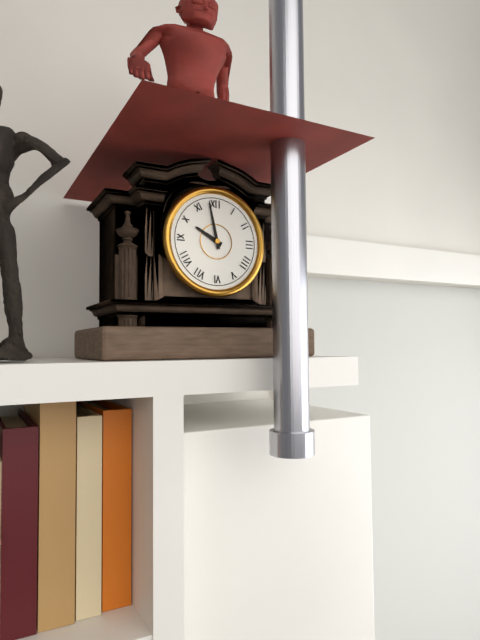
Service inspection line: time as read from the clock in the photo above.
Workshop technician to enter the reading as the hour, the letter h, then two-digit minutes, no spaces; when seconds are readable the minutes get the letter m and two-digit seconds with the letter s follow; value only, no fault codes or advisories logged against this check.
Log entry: 9h58
